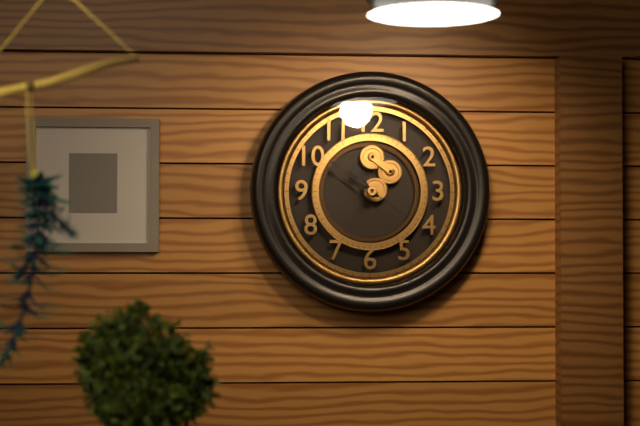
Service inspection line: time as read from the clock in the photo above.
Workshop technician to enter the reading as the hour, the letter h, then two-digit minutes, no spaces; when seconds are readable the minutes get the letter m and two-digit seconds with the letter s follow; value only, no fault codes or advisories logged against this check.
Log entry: 10h51m21s
